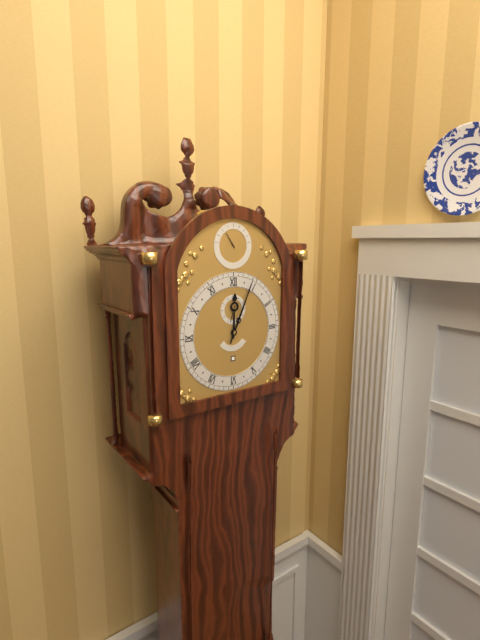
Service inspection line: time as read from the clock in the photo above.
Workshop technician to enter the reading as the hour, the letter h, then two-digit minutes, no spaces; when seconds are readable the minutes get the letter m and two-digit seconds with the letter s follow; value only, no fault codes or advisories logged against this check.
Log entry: 12h04
